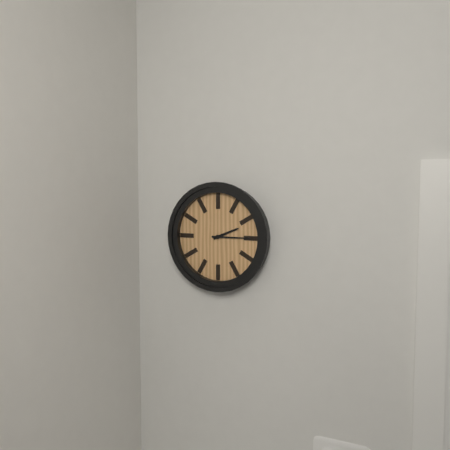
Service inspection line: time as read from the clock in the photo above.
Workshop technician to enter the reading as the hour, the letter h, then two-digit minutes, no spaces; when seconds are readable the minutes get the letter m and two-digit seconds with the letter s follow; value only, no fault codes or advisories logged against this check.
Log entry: 2h15
